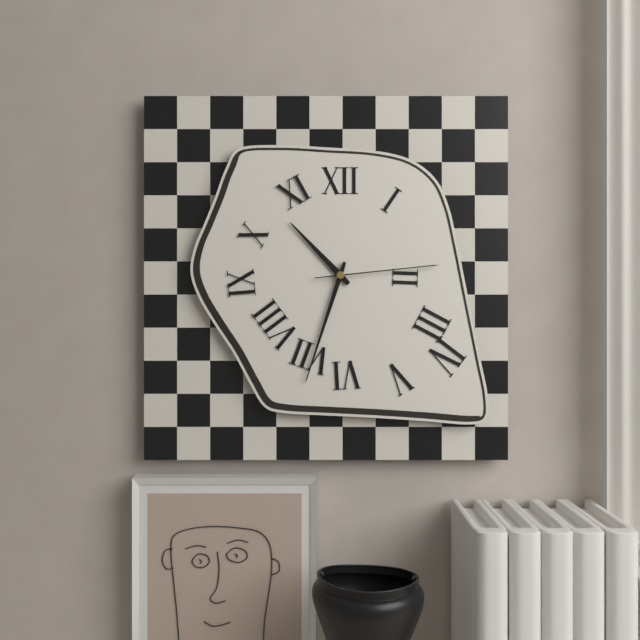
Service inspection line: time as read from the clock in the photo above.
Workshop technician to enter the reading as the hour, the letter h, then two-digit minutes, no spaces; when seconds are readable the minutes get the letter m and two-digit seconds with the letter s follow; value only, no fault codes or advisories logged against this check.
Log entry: 10h33m14s
